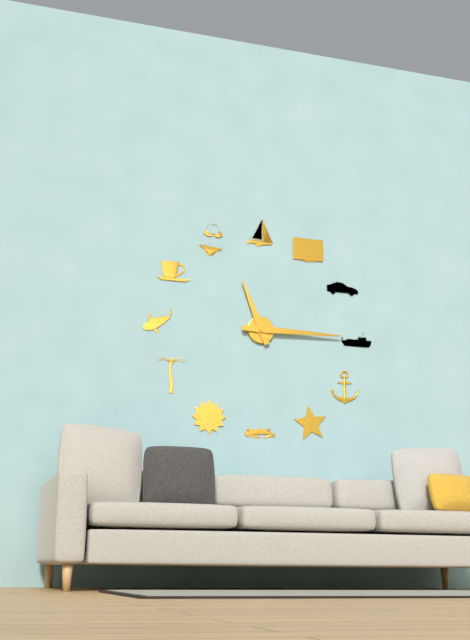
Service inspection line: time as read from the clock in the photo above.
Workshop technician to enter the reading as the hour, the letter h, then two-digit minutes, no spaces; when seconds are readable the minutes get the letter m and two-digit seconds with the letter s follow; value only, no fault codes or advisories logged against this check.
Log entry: 11h15
